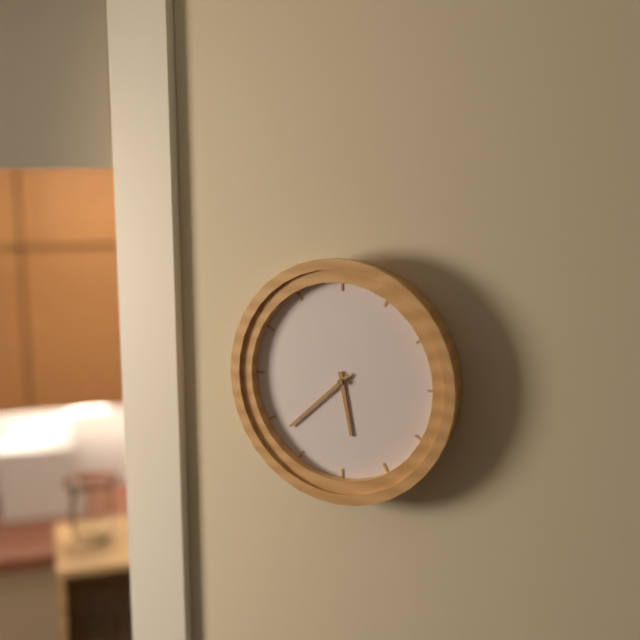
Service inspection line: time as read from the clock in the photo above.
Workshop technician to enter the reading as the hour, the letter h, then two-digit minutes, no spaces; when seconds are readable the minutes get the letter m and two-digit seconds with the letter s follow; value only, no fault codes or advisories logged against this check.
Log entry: 5h38
